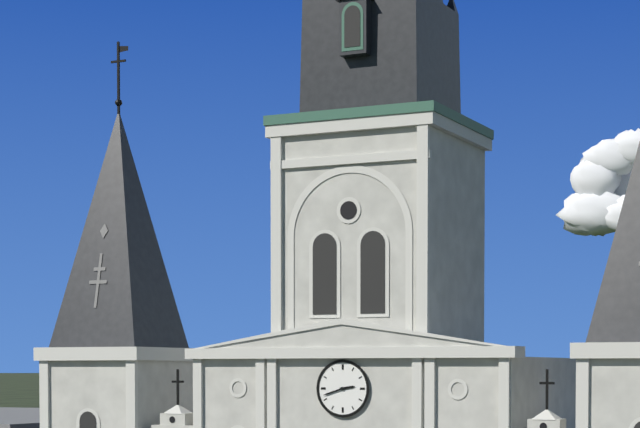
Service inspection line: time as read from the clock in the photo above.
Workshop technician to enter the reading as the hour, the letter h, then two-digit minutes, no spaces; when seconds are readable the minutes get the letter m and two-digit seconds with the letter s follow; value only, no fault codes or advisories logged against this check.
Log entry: 2h42
